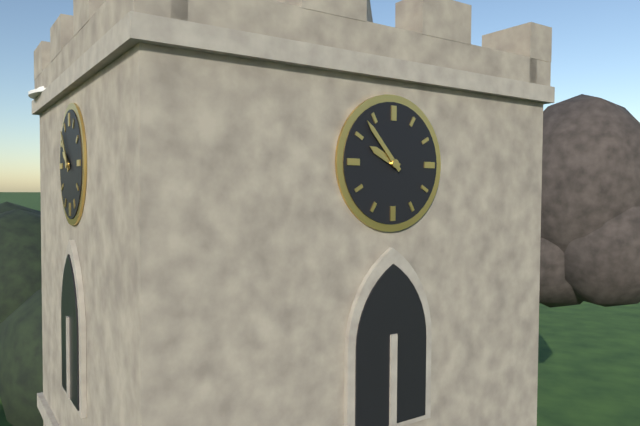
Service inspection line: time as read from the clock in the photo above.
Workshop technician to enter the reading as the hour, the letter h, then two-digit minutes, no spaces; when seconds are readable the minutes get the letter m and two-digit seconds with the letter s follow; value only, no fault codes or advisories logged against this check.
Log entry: 9h53
